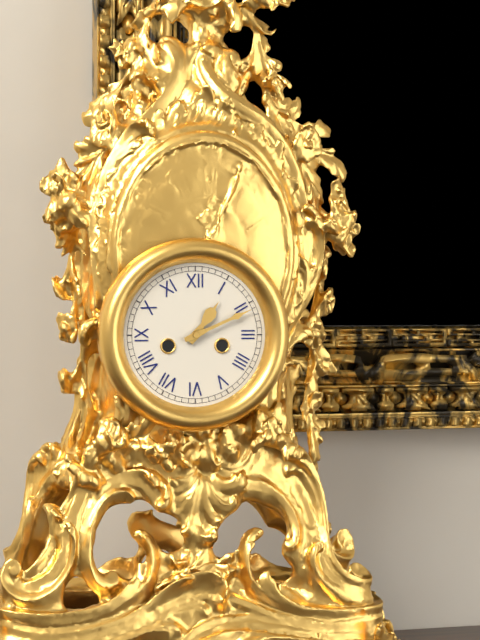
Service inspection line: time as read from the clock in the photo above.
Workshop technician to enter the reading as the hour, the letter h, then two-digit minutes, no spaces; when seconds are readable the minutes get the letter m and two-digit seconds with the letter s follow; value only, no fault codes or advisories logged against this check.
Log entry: 1h11
